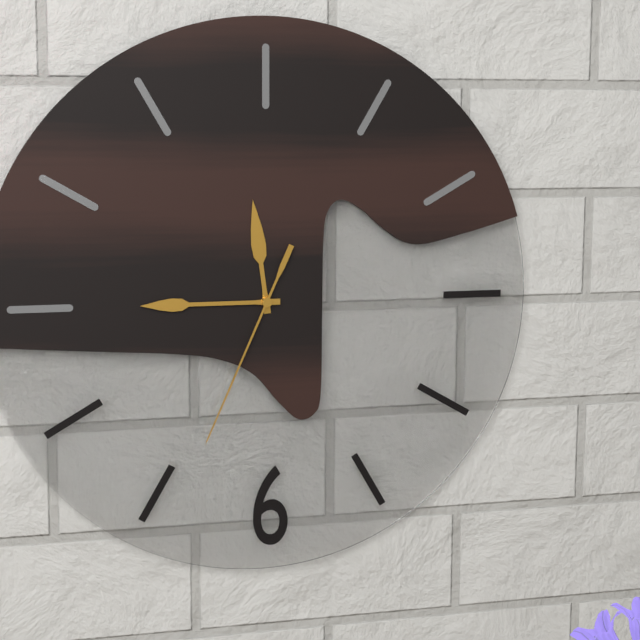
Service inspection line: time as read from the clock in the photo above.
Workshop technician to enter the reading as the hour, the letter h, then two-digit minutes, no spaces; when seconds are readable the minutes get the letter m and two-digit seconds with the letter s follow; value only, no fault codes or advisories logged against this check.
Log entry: 11h45m34s
